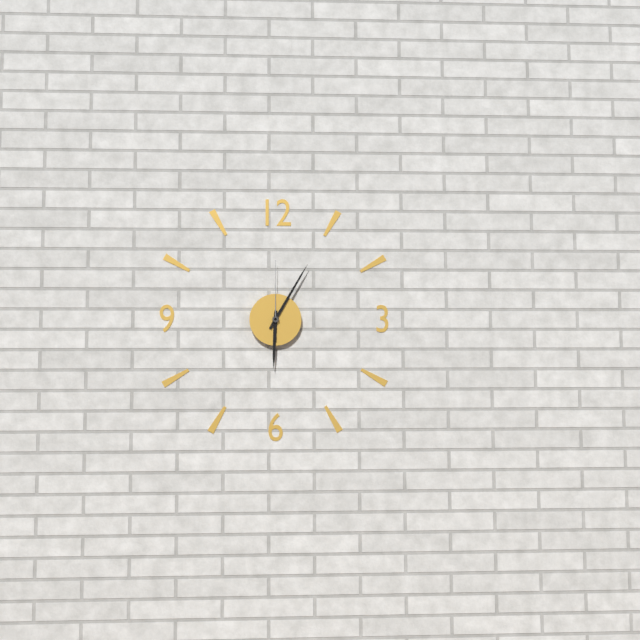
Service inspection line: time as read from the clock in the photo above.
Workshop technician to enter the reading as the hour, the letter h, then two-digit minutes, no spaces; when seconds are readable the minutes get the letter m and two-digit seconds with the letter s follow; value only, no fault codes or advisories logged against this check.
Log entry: 6h05m00s
